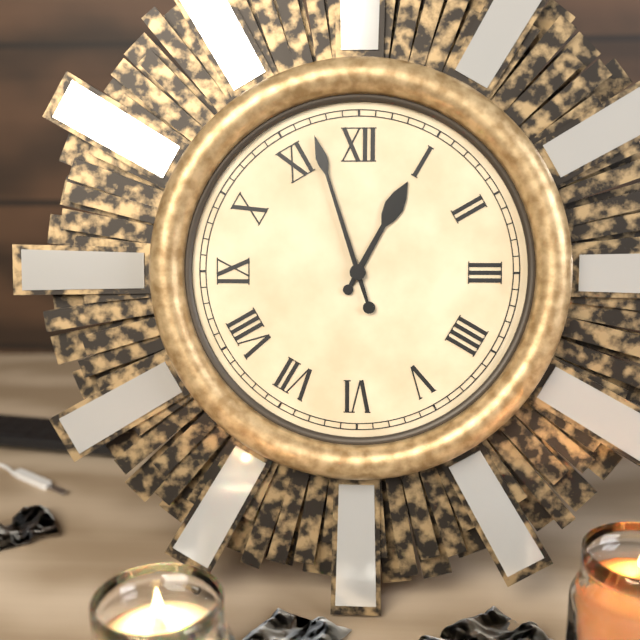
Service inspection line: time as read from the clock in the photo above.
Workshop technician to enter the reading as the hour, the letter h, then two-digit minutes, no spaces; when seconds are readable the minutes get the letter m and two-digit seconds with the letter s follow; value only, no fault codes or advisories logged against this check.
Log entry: 12h57
